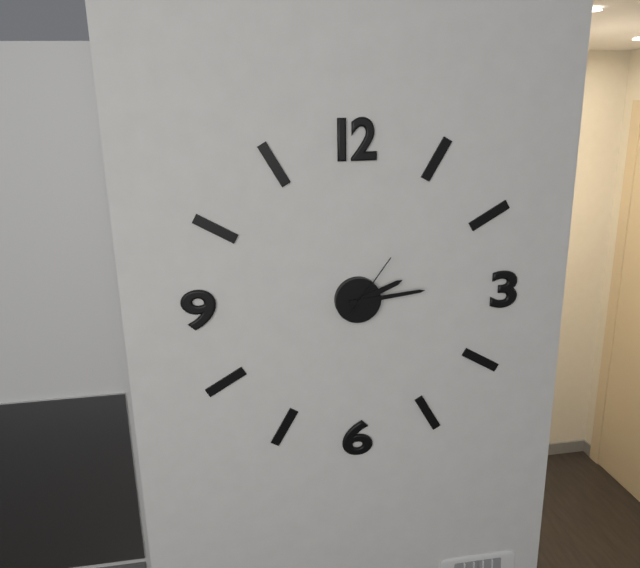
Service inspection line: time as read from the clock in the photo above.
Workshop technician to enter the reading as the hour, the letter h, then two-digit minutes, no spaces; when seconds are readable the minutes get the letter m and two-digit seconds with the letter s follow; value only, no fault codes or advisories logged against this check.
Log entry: 2h14m06s
